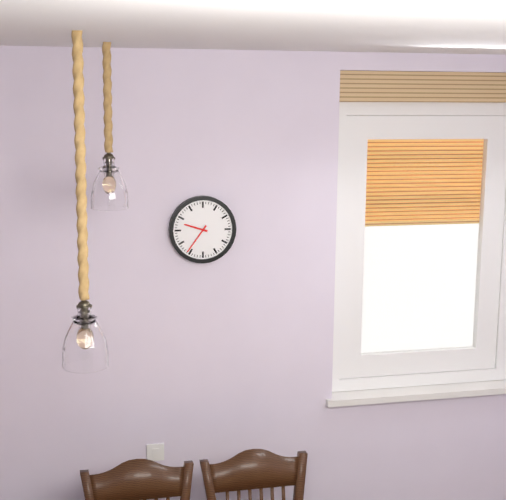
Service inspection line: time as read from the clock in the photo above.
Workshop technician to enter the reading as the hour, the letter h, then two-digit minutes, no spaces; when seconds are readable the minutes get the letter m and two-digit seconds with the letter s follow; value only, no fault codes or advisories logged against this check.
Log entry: 9h36
